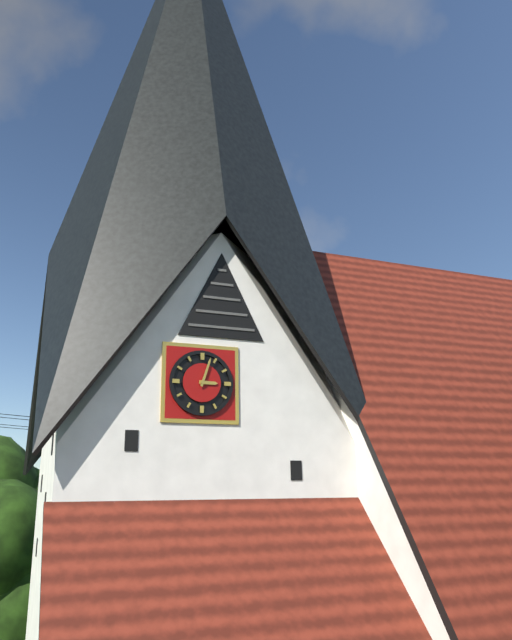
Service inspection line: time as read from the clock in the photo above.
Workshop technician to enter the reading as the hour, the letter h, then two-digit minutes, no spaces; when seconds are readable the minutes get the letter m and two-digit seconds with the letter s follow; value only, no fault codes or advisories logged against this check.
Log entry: 3h03
